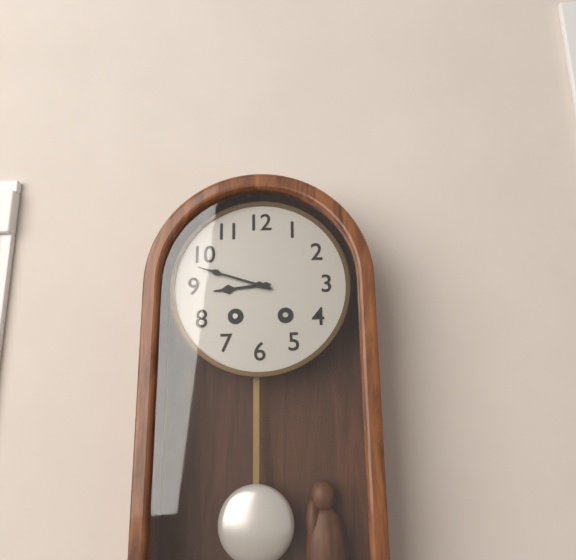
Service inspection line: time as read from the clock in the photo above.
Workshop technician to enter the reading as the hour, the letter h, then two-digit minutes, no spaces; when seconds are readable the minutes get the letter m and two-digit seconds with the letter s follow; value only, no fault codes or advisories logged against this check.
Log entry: 8h48
